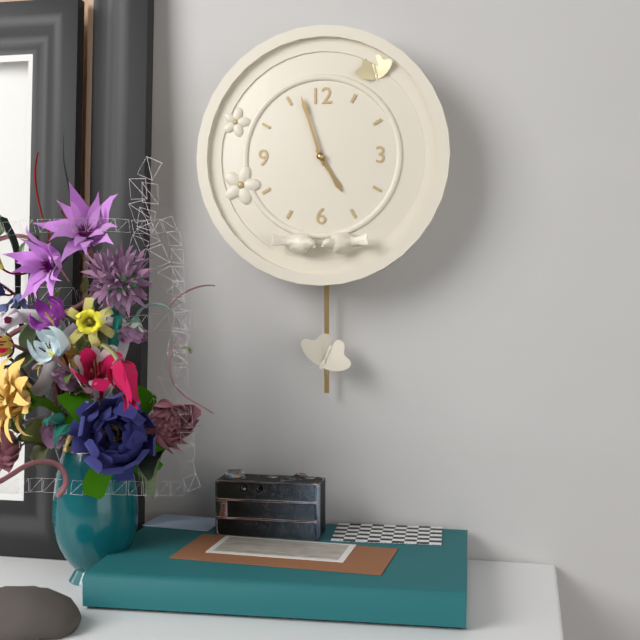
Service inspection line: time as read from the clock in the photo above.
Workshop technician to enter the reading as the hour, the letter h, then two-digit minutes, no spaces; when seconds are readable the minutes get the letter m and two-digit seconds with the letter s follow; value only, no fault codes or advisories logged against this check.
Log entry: 4h57
